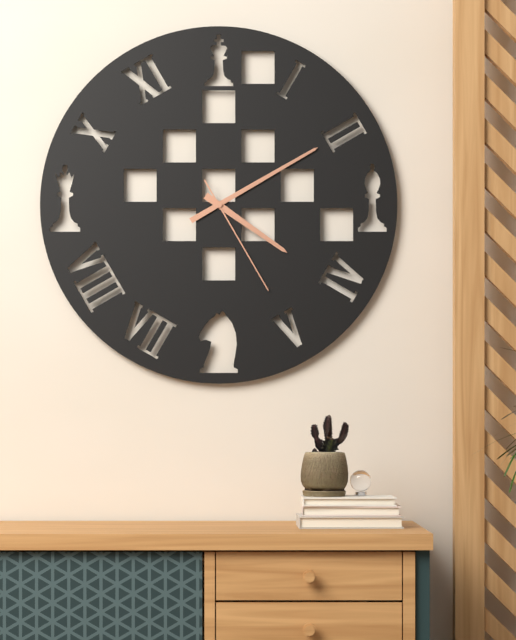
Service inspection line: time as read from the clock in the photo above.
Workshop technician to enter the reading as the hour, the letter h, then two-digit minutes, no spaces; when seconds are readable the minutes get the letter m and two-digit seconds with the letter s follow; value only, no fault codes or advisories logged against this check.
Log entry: 4h10m25s
